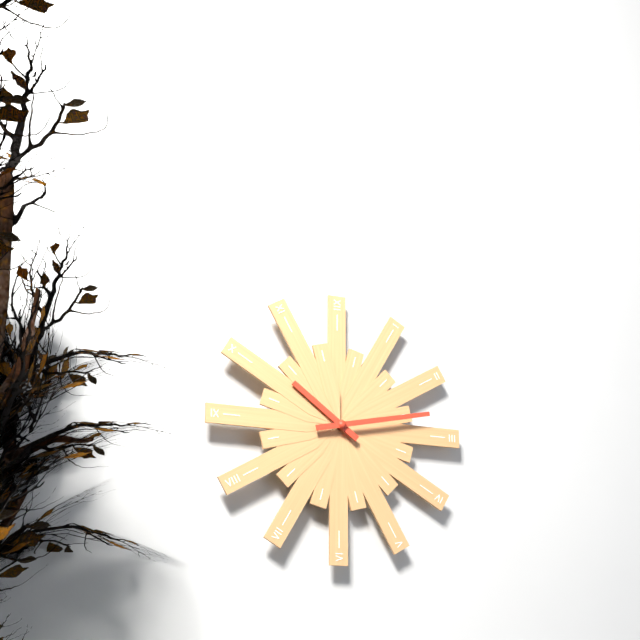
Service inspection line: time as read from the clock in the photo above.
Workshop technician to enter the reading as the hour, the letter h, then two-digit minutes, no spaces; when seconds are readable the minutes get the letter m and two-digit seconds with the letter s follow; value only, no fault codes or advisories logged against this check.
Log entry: 10h13
